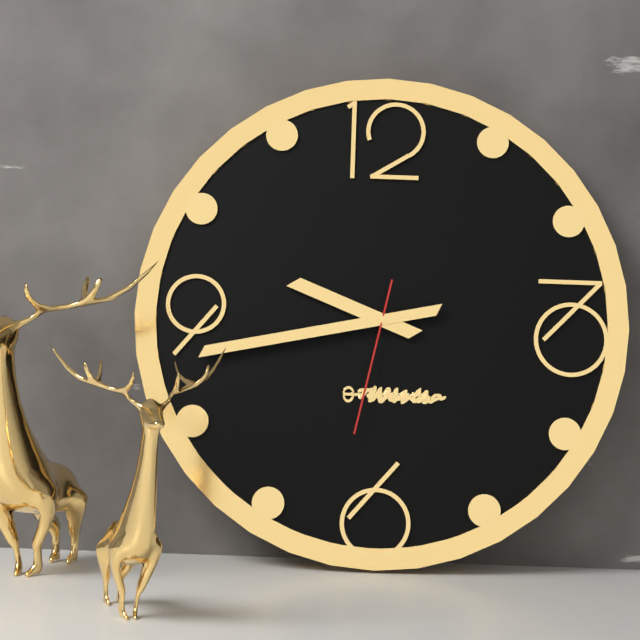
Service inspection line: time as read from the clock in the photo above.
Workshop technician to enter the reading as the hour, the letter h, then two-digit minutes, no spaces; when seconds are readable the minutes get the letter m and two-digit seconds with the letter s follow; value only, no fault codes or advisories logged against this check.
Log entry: 9h43m32s
